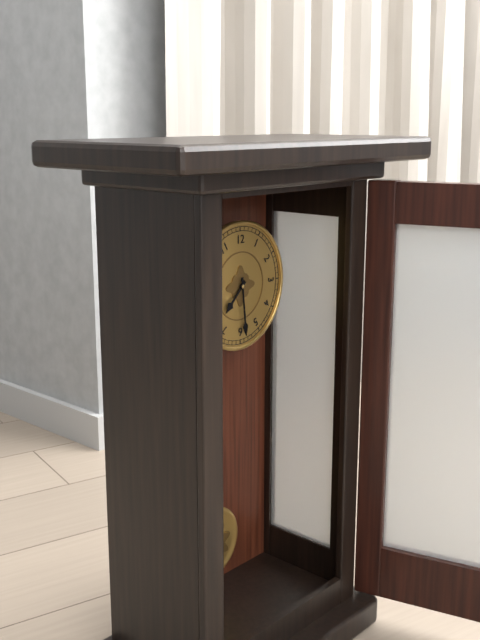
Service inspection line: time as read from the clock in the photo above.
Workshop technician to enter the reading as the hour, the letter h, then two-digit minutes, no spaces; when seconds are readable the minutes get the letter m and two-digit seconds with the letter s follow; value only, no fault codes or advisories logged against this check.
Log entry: 7h29
